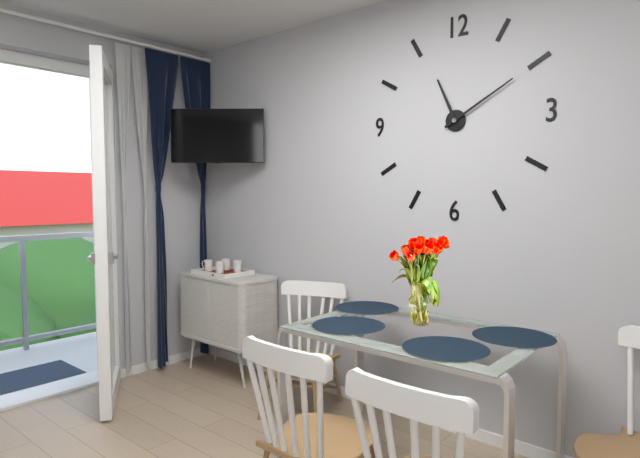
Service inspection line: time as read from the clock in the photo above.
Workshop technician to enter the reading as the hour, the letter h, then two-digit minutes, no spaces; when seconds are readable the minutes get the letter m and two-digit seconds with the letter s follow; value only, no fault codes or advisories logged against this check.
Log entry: 11h10
